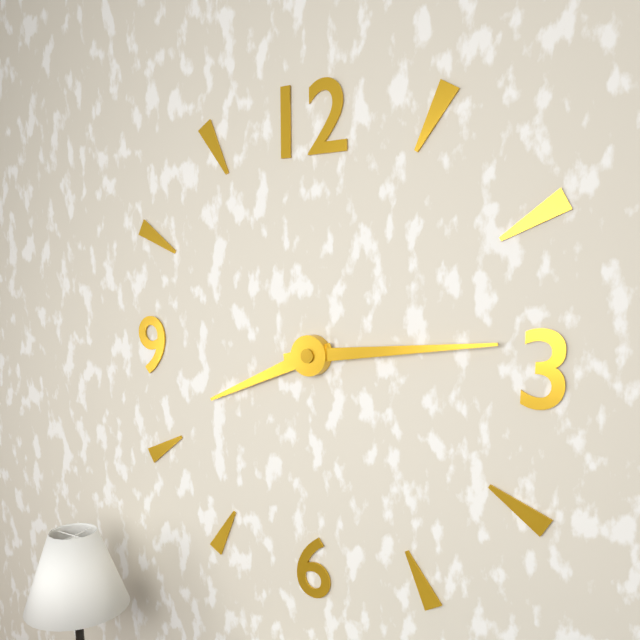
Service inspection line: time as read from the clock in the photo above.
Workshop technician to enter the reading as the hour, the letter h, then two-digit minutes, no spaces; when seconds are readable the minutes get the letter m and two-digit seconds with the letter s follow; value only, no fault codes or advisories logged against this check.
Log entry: 8h14
